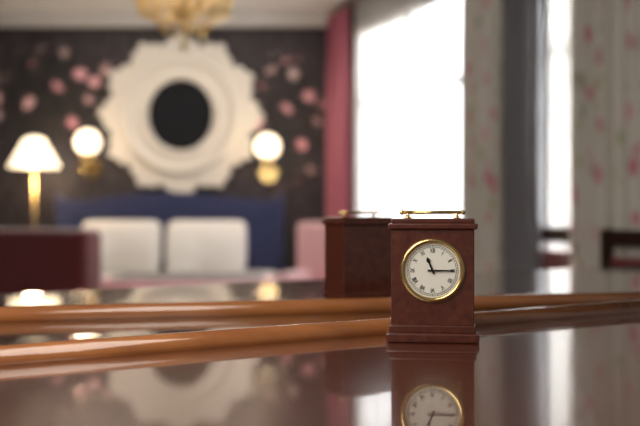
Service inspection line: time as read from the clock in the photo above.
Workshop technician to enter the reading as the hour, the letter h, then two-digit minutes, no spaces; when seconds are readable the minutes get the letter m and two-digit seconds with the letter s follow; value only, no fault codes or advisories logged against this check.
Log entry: 11h15
